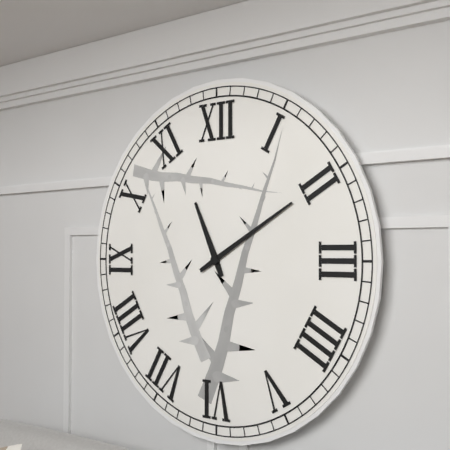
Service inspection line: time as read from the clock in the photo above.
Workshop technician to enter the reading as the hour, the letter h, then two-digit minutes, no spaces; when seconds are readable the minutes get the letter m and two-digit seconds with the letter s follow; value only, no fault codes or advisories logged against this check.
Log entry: 11h10
